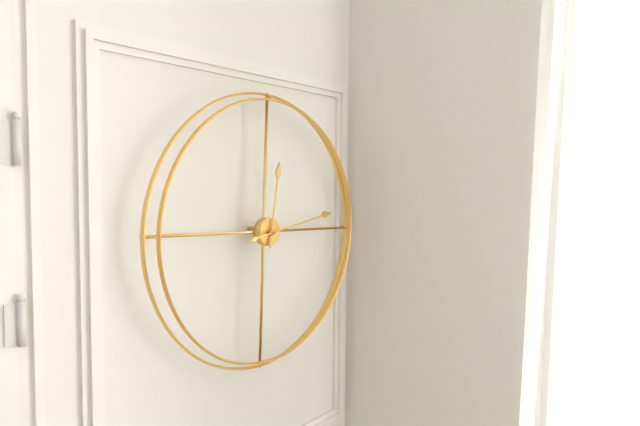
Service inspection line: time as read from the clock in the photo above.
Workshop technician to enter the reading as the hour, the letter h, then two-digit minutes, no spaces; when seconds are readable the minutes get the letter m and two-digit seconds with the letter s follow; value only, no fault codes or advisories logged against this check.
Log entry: 12h13
